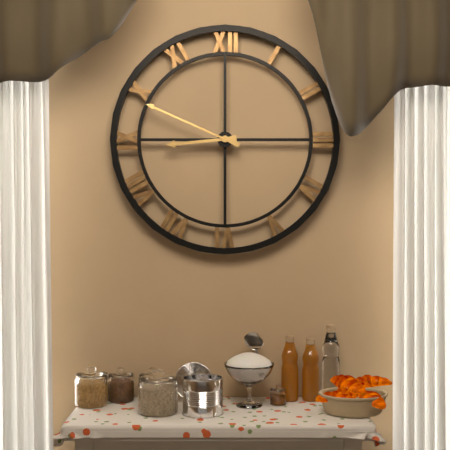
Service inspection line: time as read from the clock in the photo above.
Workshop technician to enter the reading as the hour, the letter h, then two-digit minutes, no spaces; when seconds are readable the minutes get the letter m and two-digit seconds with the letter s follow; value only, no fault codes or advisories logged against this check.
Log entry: 8h49
